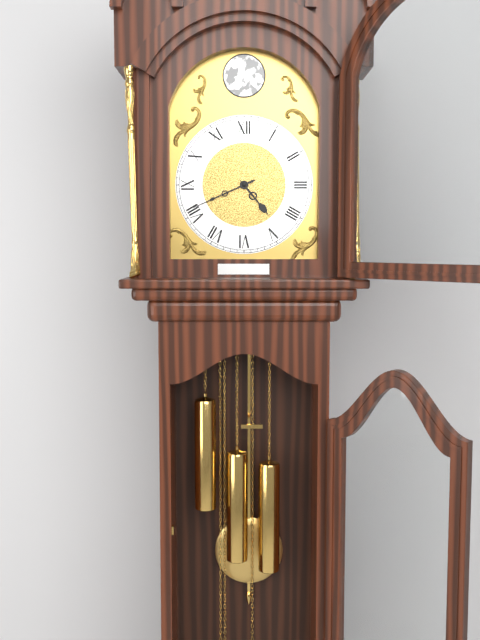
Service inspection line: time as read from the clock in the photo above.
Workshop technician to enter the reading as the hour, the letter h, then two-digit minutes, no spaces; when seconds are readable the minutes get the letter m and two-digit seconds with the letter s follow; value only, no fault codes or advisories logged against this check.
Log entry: 4h41
